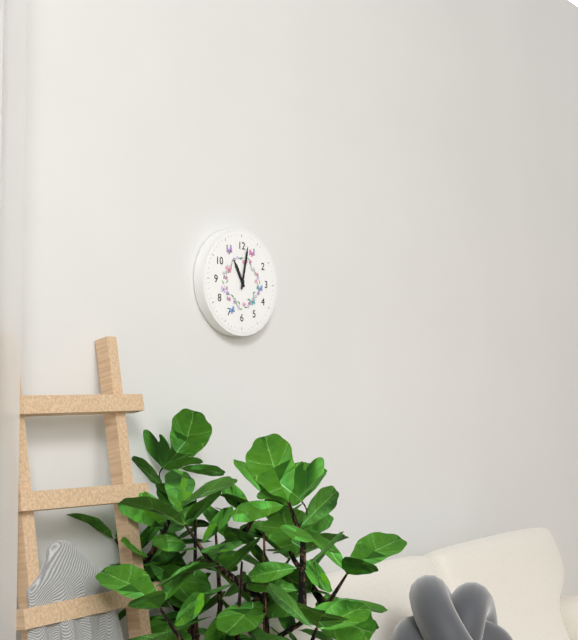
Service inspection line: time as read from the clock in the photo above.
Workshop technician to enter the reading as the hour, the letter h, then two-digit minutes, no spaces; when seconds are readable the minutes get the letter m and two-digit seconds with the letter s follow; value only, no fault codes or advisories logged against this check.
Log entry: 11h02
